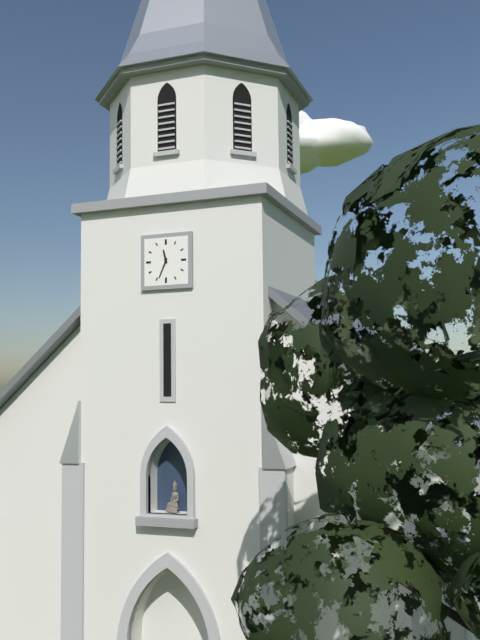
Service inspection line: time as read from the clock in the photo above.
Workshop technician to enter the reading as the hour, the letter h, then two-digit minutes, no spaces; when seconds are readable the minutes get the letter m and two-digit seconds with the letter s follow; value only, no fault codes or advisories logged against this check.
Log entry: 11h34
